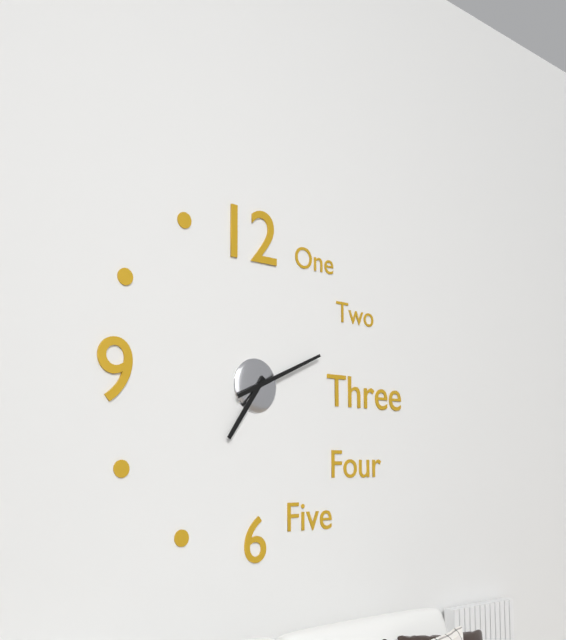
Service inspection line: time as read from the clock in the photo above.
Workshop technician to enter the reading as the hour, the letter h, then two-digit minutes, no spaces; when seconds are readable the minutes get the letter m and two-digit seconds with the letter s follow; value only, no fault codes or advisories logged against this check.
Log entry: 7h11
